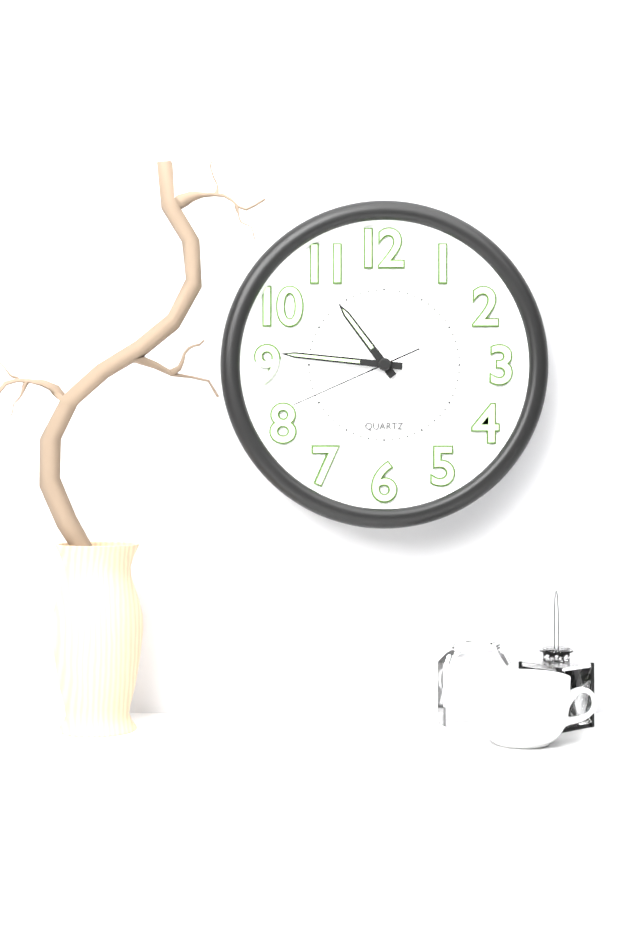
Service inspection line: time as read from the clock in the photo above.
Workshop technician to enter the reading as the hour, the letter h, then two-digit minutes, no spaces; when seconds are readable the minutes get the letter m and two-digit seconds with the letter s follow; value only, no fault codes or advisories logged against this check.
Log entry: 10h46m41s
